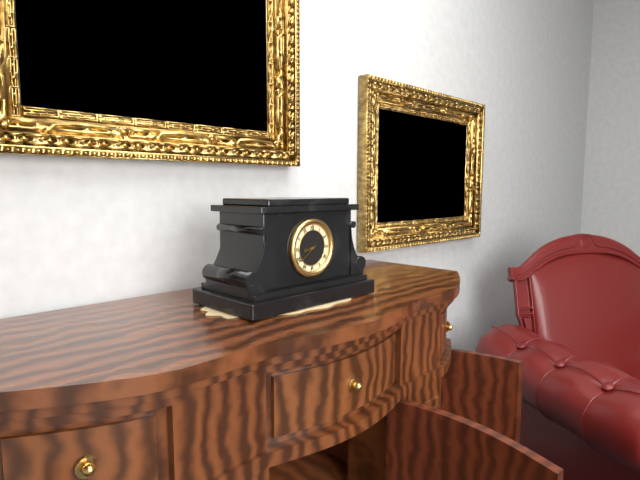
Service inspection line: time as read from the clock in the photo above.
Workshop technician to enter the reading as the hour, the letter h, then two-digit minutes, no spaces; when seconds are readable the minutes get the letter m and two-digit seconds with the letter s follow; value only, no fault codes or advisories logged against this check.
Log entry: 8h39
